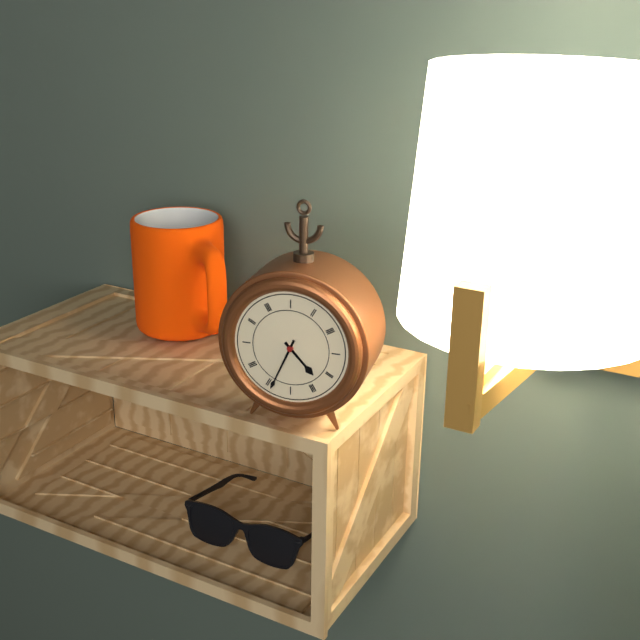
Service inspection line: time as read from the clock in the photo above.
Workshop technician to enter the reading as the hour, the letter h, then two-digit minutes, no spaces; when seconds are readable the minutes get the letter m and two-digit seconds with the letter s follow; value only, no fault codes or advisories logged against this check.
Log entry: 4h34
